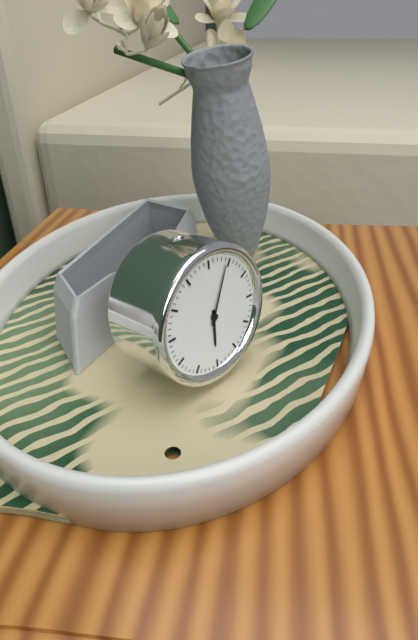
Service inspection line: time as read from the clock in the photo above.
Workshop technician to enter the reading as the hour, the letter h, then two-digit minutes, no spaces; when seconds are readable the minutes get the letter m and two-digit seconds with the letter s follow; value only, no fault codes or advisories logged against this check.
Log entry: 6h04
